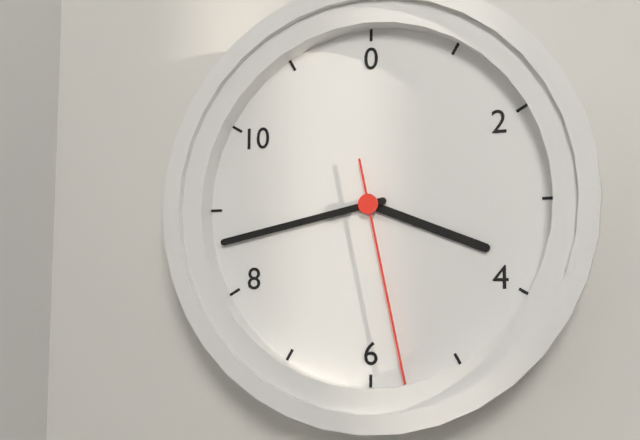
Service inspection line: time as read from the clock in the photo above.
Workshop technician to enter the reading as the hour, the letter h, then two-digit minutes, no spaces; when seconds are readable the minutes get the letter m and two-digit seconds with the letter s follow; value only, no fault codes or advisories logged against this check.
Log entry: 3h43m28s
